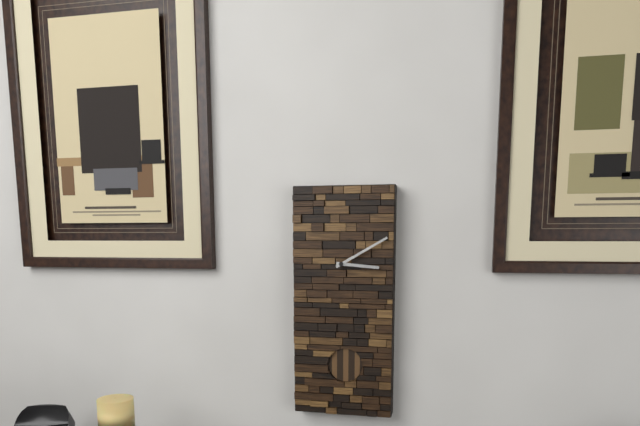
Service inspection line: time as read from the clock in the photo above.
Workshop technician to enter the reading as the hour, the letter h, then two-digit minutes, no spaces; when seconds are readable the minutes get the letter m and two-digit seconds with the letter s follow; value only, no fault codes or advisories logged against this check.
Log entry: 3h10
